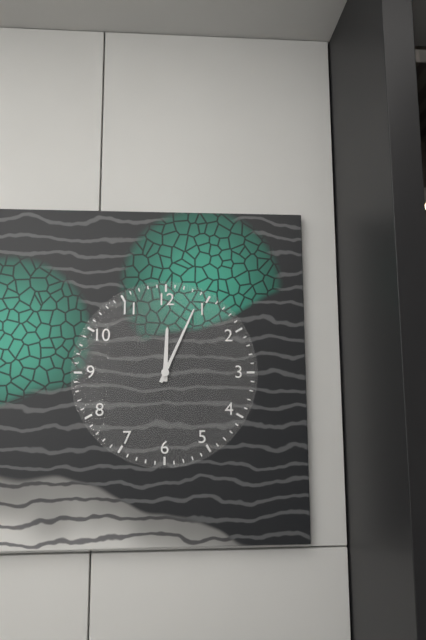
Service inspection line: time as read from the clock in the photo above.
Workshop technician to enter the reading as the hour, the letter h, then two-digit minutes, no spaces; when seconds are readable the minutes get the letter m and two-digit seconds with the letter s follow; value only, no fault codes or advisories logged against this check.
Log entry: 12h04
